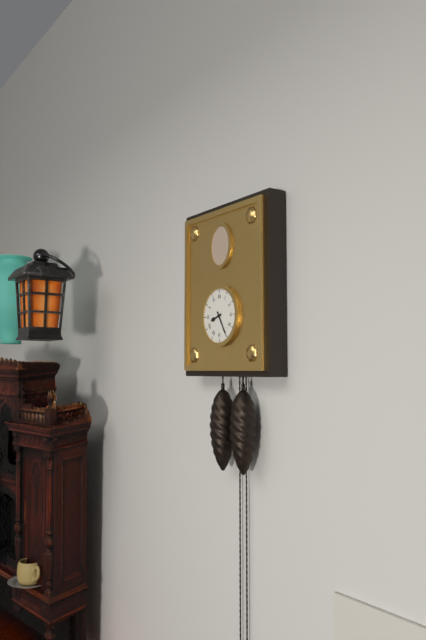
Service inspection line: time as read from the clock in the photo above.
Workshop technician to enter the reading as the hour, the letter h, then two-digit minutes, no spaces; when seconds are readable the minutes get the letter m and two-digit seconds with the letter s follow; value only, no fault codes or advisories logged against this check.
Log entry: 8h25
